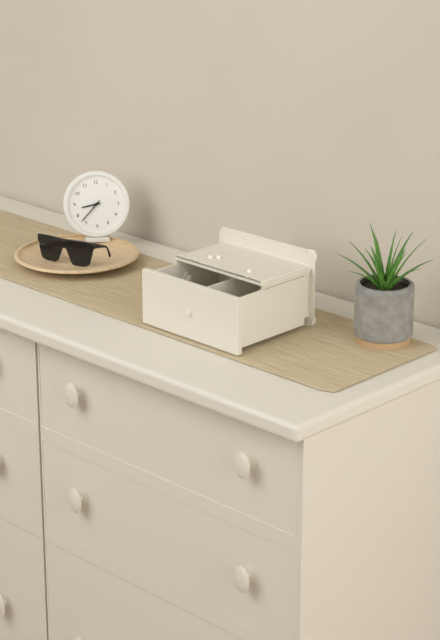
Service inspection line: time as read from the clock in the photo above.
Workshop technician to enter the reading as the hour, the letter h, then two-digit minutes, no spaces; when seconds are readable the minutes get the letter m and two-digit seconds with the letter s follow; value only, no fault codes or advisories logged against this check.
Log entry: 8h37
